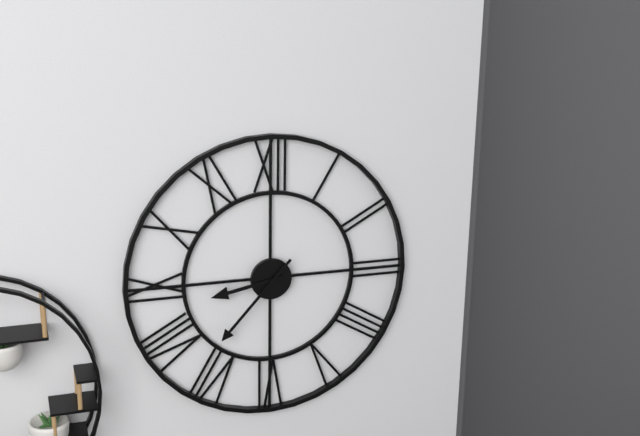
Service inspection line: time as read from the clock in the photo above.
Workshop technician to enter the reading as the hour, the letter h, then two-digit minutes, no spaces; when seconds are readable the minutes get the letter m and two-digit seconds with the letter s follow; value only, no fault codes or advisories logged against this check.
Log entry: 8h37
